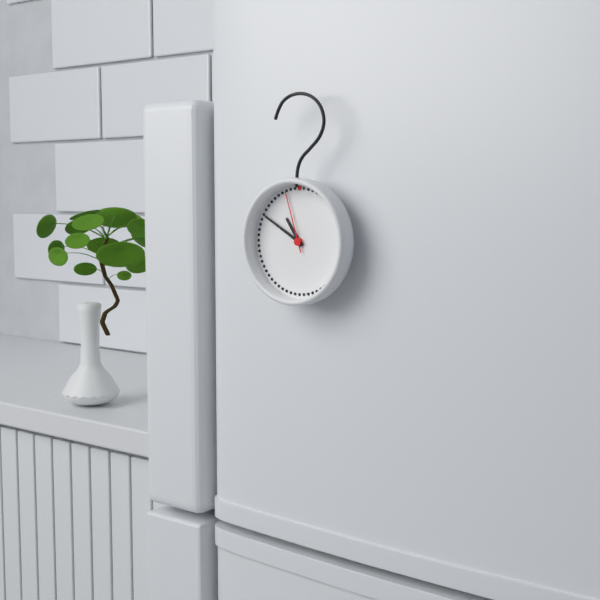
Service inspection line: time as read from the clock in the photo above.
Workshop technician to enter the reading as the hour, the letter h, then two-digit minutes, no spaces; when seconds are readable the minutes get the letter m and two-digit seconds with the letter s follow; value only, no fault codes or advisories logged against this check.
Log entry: 10h50m57s
